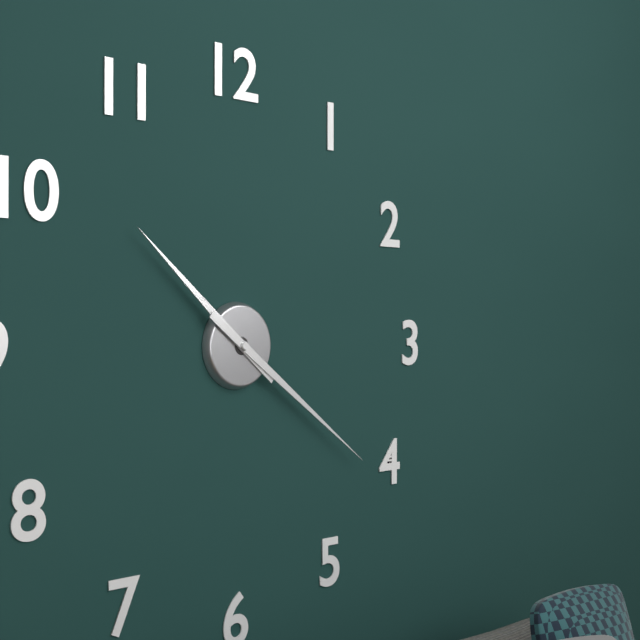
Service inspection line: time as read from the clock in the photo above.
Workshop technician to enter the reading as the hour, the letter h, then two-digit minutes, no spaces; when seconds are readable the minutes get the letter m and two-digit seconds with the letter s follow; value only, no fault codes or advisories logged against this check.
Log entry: 10h21
